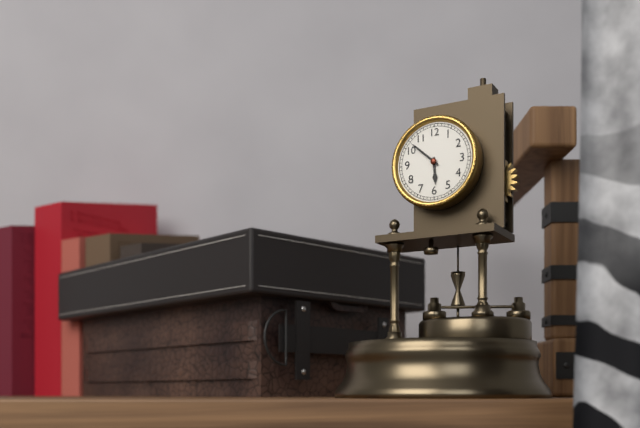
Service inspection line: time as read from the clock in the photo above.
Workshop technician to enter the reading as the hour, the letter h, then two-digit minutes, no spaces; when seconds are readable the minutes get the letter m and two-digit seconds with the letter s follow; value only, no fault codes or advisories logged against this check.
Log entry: 5h52
